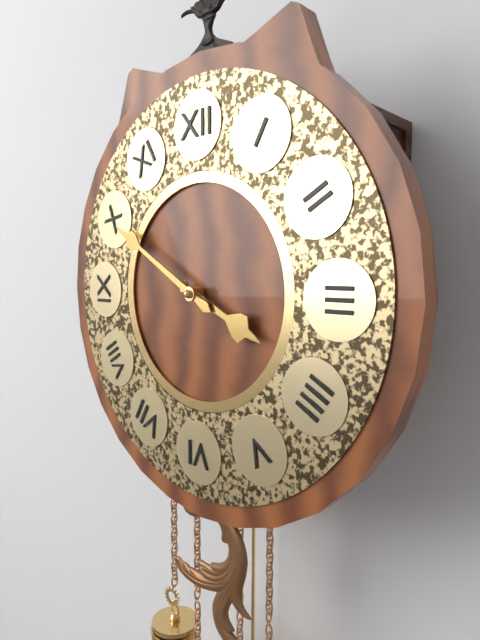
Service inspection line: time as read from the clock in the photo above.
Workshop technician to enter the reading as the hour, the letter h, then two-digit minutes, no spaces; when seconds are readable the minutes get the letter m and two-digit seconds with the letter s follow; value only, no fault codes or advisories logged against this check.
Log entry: 3h50
